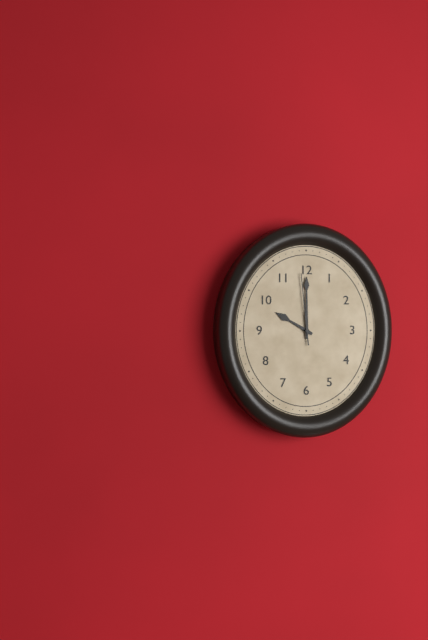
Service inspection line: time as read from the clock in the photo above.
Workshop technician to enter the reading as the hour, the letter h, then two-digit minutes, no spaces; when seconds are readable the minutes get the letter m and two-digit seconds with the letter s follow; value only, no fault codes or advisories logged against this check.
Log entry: 10h00m59s
